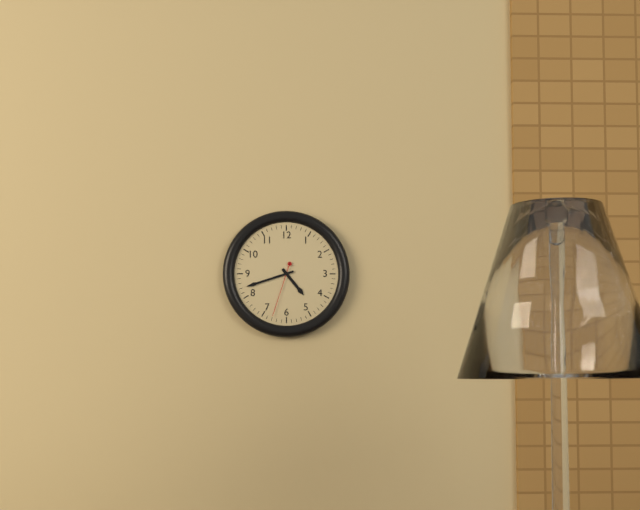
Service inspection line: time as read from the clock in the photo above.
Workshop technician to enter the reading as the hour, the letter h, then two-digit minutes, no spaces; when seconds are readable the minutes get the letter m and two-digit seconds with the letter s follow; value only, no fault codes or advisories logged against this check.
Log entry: 4h42m33s
